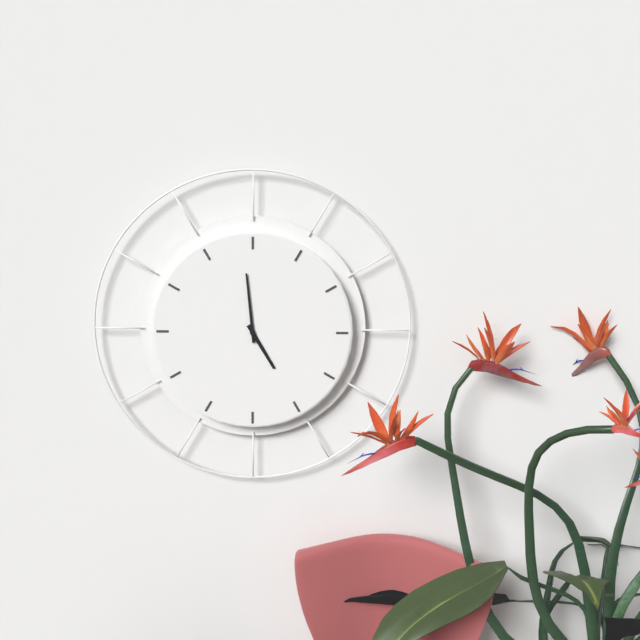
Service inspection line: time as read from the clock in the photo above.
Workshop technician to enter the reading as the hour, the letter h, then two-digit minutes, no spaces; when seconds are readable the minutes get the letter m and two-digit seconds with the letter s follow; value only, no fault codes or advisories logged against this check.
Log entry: 4h59
